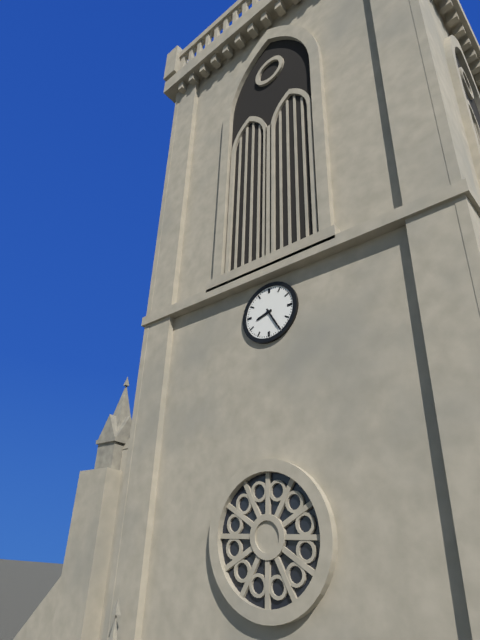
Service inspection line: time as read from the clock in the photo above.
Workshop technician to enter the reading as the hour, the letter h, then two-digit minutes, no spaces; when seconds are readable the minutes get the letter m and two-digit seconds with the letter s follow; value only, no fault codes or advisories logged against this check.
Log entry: 8h25
